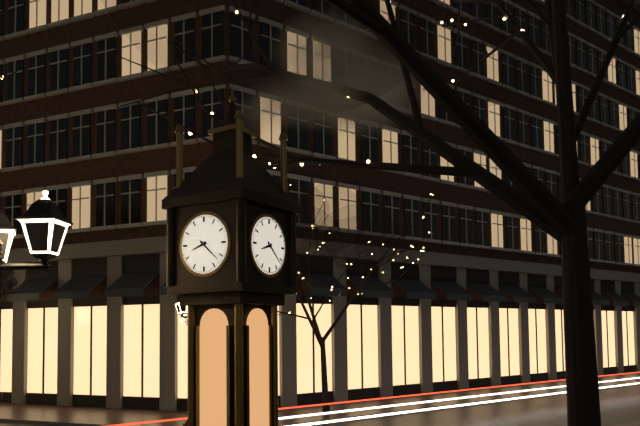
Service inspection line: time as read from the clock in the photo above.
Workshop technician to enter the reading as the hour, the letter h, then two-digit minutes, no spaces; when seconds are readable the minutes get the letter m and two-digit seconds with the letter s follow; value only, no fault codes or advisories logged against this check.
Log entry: 8h22
